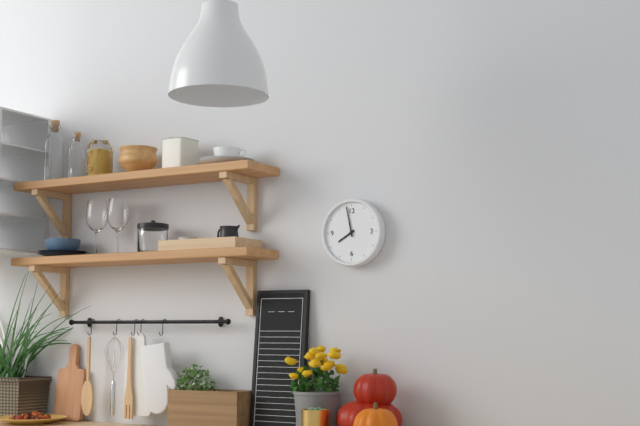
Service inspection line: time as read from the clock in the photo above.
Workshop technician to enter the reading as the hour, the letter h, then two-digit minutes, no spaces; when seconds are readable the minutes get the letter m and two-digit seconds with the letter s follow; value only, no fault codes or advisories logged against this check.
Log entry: 7h58
